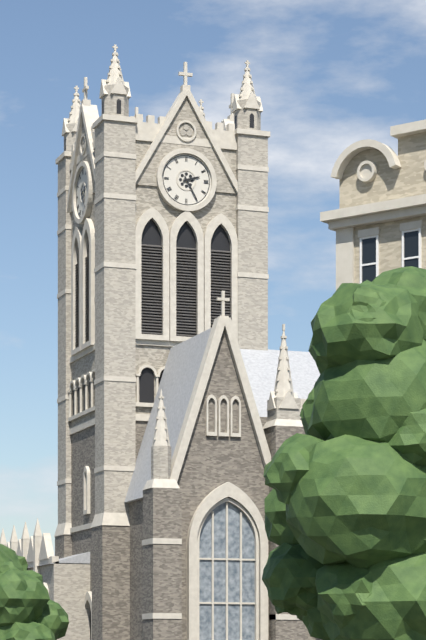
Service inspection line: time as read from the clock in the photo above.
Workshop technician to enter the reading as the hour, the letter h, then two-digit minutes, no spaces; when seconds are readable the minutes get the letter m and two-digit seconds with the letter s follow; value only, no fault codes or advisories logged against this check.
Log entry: 2h25
